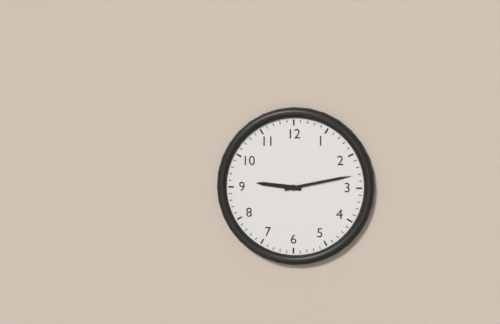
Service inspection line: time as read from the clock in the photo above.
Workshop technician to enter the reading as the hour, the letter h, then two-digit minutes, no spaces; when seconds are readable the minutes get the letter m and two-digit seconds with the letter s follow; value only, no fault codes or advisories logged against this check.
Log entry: 9h13
